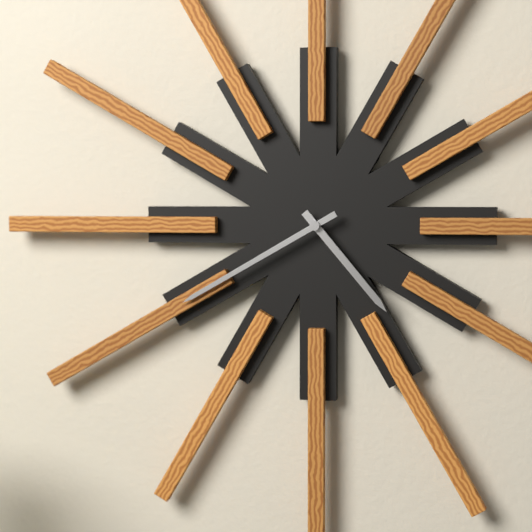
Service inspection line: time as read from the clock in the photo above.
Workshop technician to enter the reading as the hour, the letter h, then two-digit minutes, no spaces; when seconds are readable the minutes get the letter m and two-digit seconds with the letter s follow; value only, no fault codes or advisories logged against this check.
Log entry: 4h40
